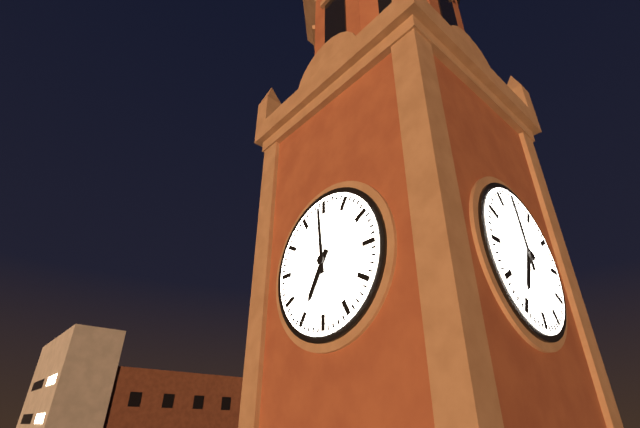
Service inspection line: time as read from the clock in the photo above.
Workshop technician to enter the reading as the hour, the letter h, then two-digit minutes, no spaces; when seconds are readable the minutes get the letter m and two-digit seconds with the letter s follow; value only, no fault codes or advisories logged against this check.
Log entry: 6h59
